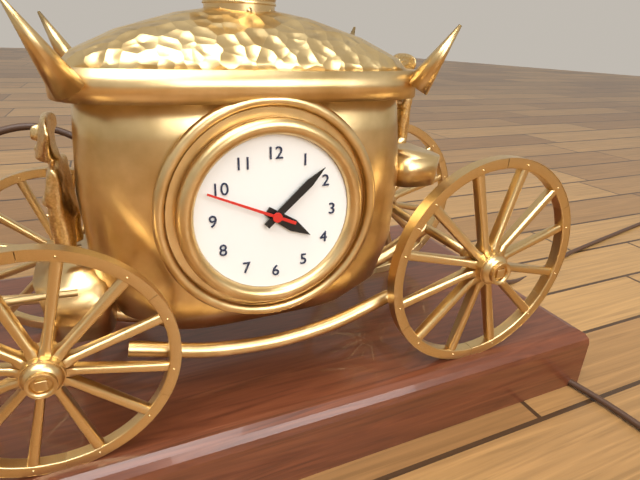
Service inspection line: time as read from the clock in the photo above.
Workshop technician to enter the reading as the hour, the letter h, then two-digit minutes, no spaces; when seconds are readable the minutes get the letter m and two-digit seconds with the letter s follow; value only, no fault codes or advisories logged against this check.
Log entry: 4h08m49s
